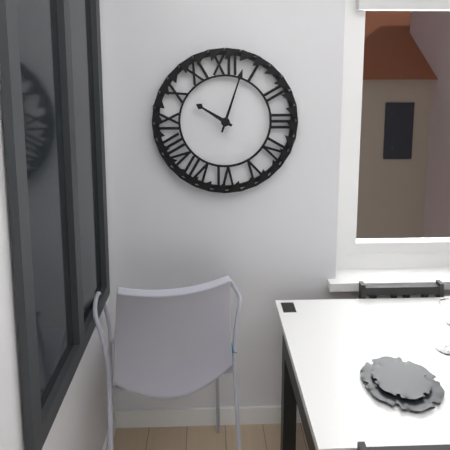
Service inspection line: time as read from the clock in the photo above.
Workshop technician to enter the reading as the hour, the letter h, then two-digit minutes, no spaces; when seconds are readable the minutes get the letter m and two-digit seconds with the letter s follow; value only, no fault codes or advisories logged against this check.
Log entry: 10h03
